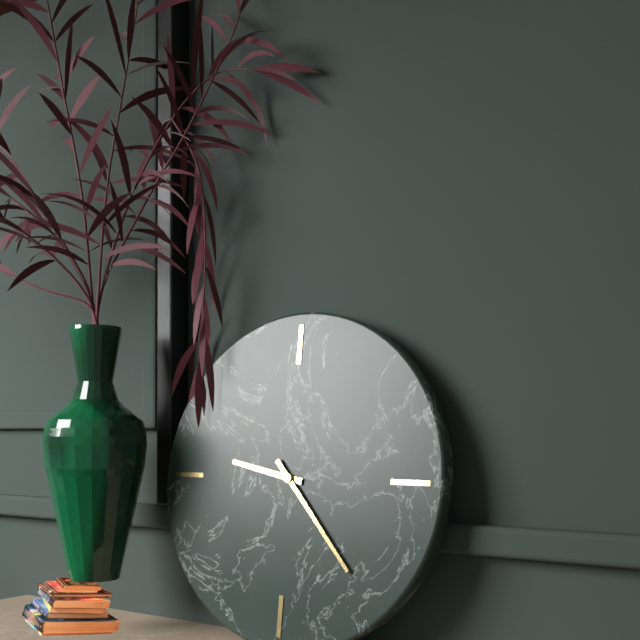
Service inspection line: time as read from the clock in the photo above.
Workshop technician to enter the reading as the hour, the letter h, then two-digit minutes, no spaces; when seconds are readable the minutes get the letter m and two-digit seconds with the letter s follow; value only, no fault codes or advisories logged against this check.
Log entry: 9h23
